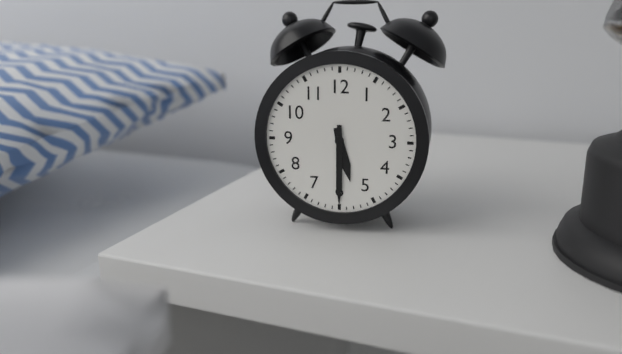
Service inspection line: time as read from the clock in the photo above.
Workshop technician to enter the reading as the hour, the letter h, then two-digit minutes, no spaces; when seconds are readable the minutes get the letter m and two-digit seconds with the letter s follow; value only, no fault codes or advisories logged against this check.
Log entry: 5h30
